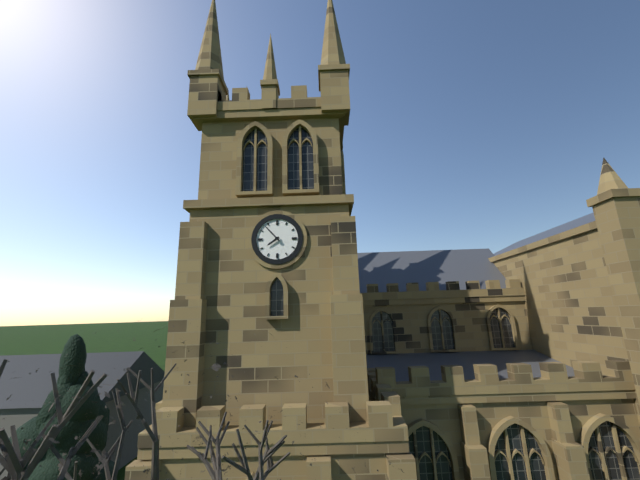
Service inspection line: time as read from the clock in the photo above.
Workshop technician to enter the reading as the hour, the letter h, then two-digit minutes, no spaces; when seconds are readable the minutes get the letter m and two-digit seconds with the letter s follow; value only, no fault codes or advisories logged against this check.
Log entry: 7h53
